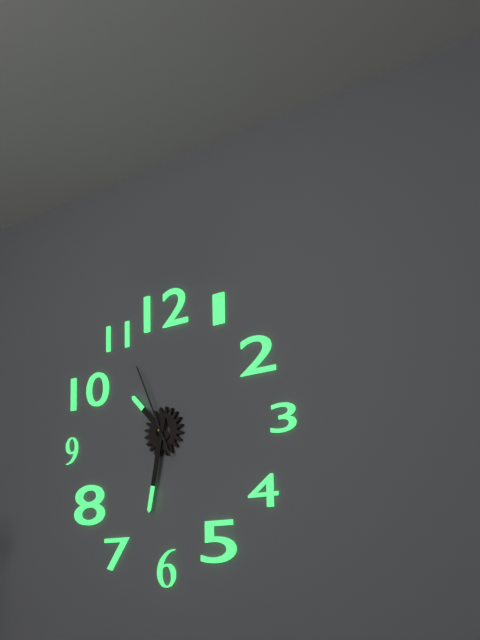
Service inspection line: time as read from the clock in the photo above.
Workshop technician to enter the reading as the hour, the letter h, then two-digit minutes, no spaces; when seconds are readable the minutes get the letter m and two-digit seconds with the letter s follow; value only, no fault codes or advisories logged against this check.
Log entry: 10h32m56s
